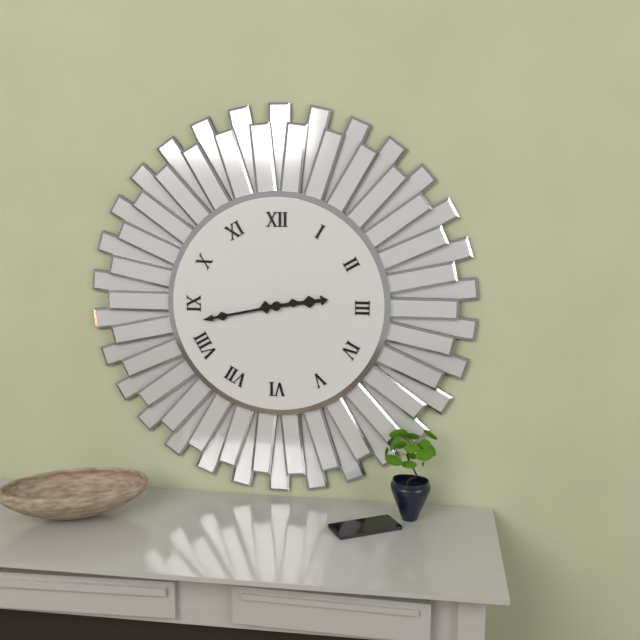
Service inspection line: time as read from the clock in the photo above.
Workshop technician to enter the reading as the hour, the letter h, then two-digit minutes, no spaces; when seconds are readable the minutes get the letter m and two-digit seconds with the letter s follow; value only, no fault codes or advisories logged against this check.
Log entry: 2h43
